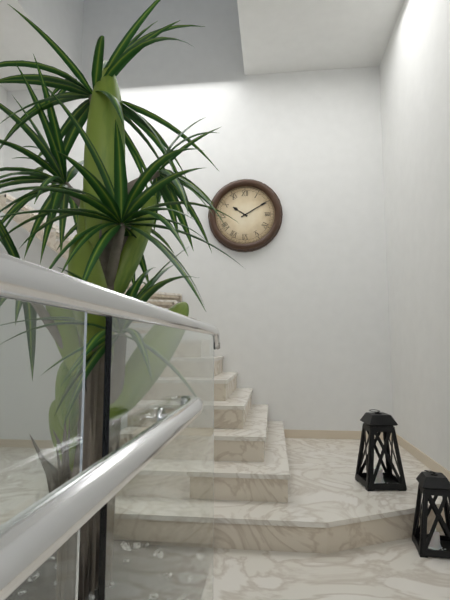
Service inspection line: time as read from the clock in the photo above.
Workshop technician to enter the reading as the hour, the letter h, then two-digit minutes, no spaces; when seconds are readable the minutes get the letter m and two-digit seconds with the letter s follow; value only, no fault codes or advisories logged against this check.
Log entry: 10h10
